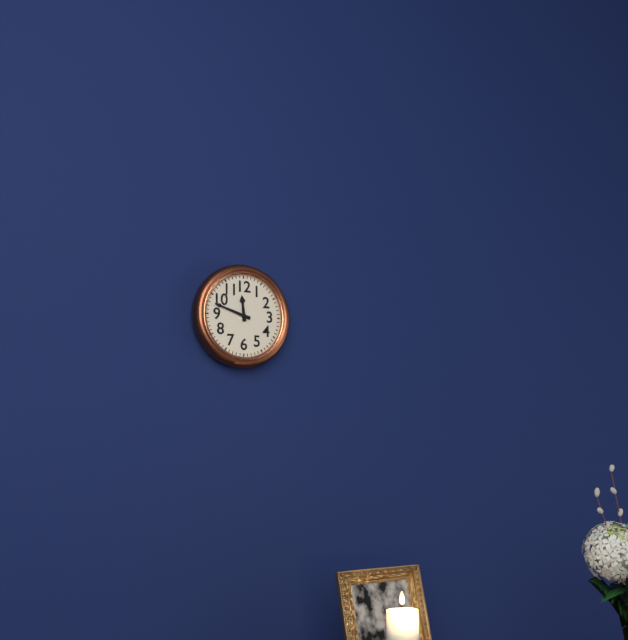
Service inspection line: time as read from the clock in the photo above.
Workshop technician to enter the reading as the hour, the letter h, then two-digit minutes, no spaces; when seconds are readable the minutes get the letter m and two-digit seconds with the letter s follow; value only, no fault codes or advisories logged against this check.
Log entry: 11h48
